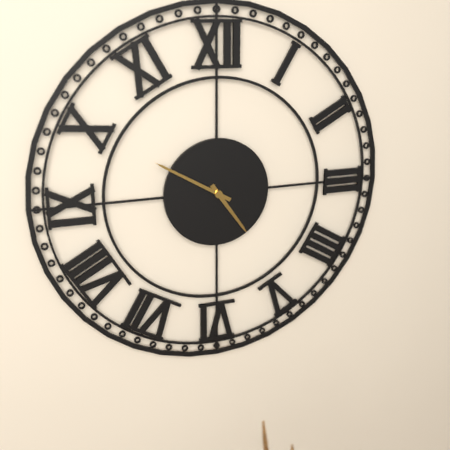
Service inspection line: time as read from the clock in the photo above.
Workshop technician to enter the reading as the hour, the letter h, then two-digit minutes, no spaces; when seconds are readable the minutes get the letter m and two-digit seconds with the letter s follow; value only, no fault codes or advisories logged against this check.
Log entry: 4h50
